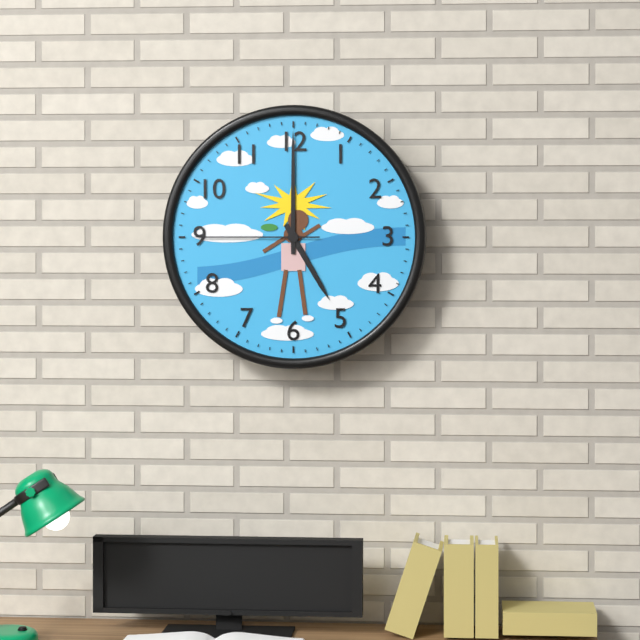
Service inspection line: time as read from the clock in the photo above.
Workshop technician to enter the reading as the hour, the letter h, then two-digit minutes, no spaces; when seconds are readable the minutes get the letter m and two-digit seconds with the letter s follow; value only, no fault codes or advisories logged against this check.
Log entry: 5h00m45s
